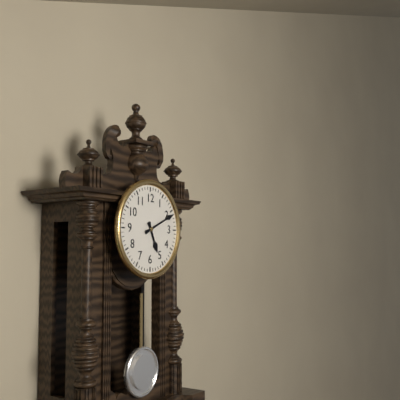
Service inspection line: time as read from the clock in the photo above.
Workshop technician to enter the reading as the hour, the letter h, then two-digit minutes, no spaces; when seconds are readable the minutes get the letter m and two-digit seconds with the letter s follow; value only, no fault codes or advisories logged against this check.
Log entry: 5h11
